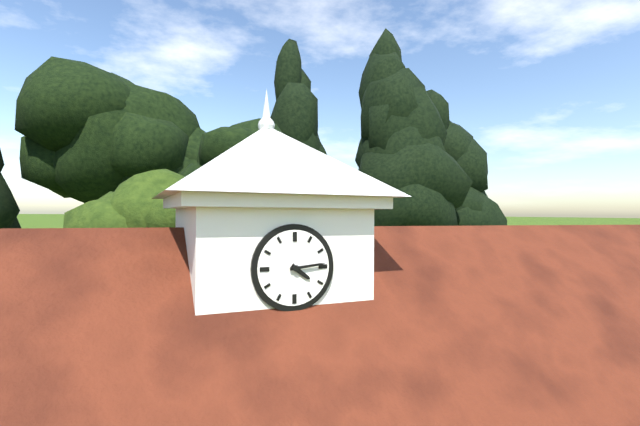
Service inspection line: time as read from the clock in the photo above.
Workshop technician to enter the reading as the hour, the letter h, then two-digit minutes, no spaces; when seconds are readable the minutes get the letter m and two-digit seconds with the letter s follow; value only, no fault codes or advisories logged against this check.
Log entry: 4h14
